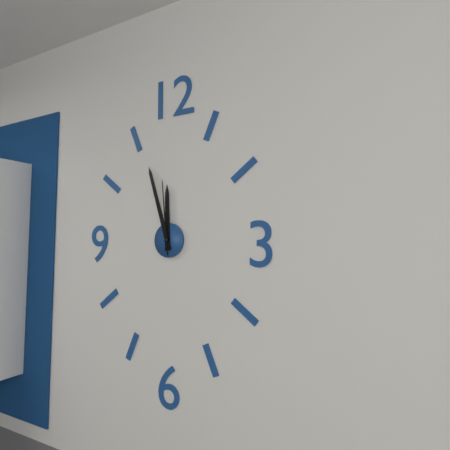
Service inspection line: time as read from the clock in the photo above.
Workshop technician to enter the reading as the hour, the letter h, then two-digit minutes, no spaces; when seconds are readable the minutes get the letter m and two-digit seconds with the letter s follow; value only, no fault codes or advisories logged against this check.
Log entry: 11h57m59s
